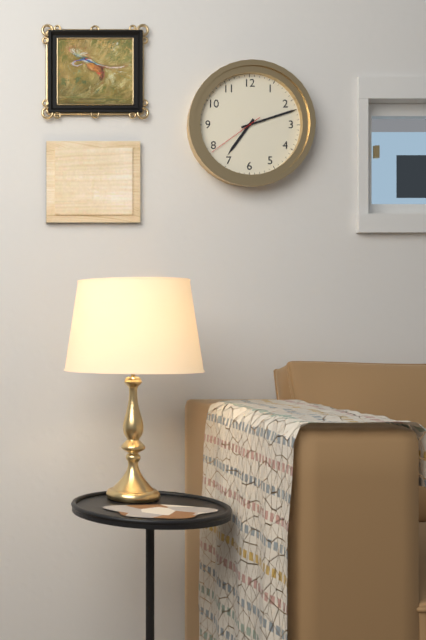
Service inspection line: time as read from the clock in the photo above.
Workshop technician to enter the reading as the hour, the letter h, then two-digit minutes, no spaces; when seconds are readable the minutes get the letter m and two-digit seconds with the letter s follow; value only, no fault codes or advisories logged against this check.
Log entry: 7h12m39s
